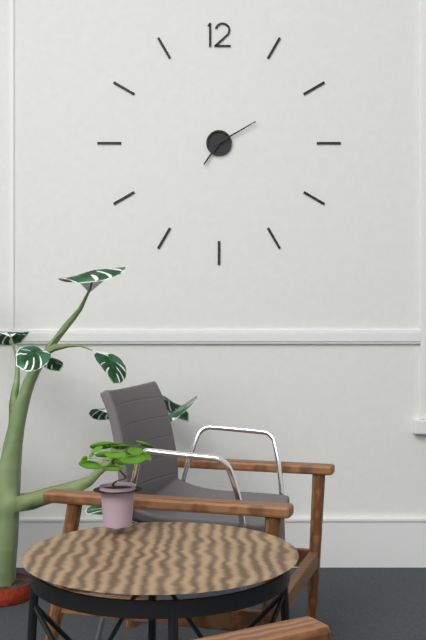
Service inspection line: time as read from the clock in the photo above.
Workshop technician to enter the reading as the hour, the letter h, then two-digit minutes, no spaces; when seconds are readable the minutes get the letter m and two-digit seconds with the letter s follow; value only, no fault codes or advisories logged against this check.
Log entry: 7h10
